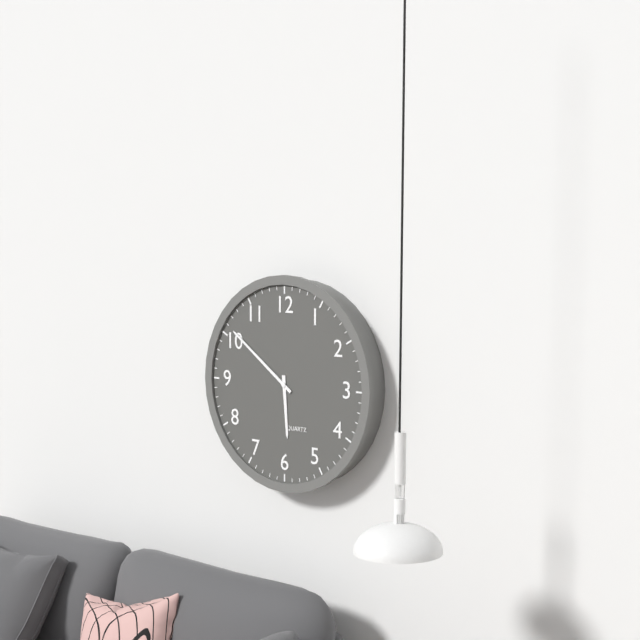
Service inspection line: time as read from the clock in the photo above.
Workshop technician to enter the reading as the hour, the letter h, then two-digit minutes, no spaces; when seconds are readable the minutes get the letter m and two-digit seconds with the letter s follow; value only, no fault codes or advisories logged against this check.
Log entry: 5h51
